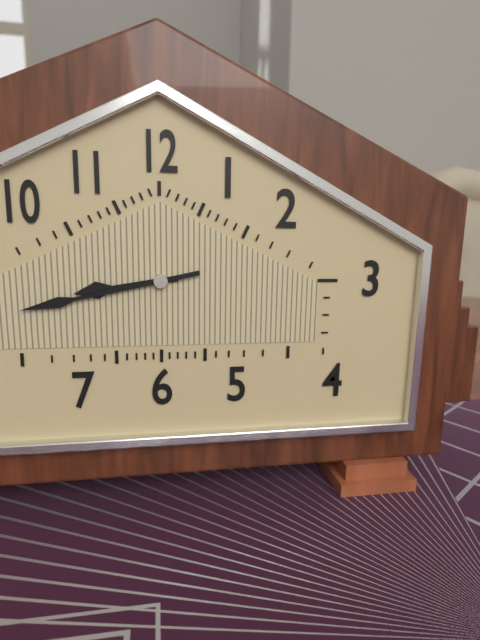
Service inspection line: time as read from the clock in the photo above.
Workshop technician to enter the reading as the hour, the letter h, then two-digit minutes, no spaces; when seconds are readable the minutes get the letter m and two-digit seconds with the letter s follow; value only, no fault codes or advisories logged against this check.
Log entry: 8h43
